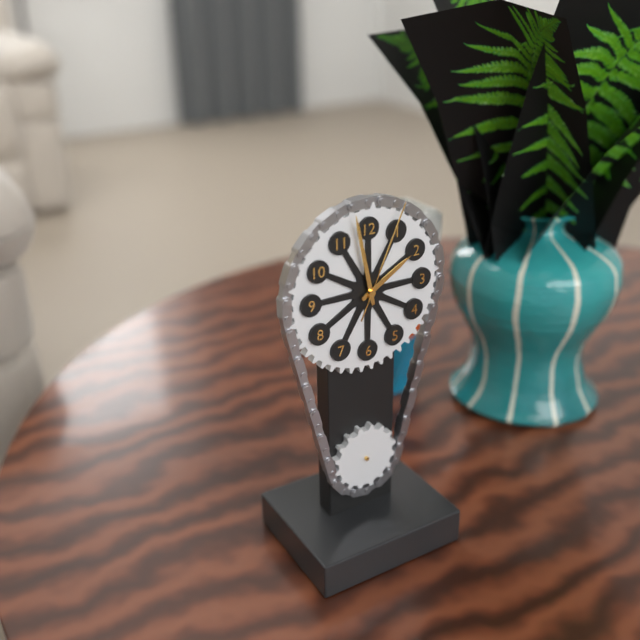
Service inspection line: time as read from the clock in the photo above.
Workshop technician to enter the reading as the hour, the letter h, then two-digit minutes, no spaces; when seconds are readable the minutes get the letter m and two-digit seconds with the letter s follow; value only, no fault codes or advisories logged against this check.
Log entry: 1h58m04s
